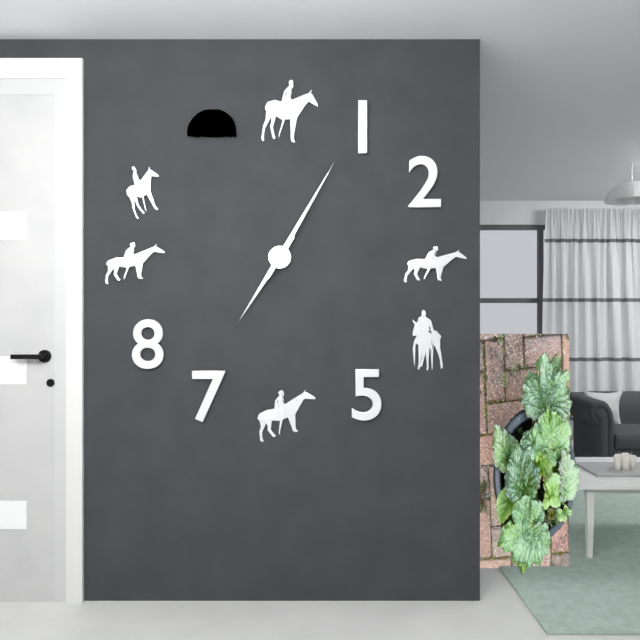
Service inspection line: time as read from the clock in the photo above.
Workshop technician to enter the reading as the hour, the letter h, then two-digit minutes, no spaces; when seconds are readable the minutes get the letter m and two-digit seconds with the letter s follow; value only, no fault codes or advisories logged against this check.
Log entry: 7h05
